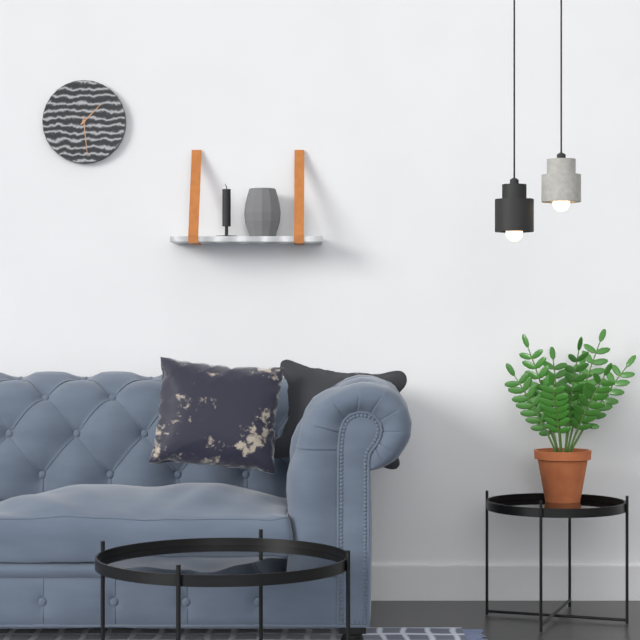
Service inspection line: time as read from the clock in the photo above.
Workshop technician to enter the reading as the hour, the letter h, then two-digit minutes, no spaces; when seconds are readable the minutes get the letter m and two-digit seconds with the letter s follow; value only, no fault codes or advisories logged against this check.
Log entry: 1h29
